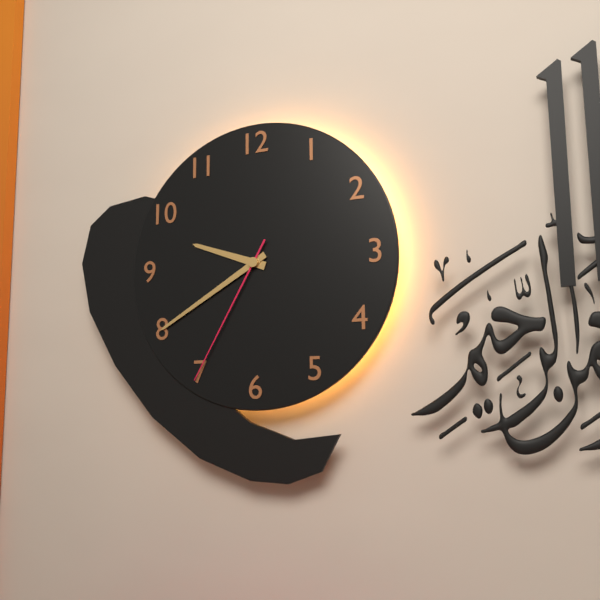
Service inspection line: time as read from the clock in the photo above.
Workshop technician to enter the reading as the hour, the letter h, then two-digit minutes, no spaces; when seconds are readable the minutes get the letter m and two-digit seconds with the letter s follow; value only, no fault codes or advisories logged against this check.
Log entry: 9h40m35s
